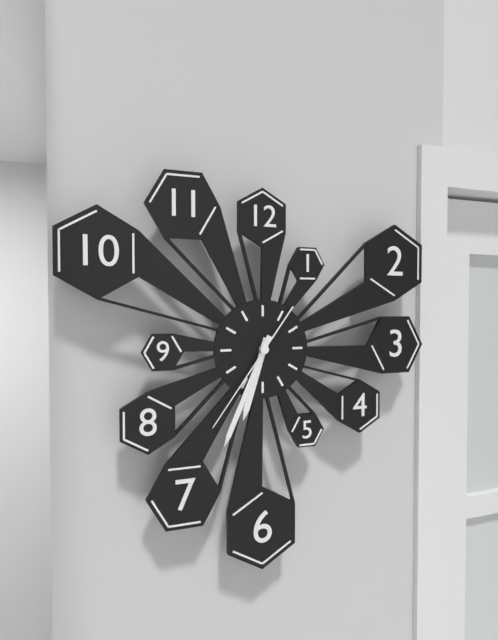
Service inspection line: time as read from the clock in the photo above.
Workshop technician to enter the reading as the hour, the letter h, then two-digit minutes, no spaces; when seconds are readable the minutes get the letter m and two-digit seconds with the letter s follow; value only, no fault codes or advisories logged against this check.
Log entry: 6h34m36s
